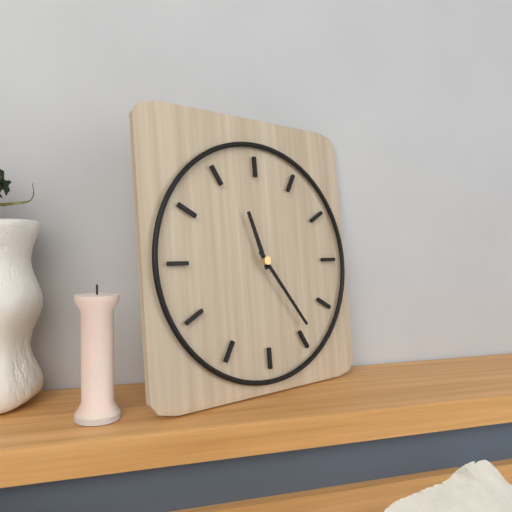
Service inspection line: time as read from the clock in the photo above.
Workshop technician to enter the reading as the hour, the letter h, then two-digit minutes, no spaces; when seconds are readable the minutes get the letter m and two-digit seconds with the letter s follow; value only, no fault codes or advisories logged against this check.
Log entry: 11h24
